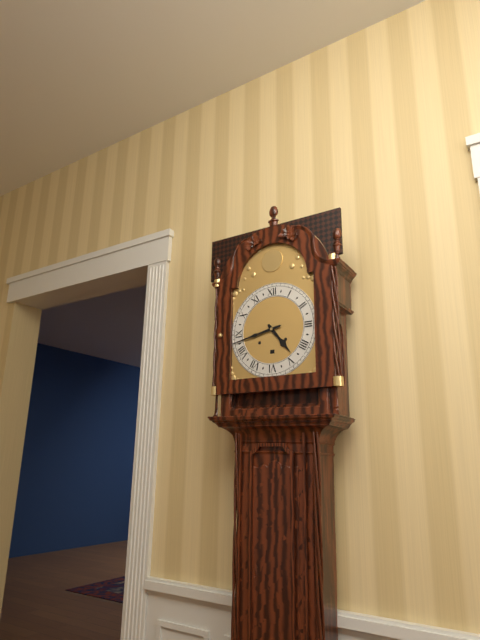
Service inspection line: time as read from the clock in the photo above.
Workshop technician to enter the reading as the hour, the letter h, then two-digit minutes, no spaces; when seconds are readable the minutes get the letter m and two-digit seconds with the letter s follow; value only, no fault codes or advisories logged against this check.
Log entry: 4h43
